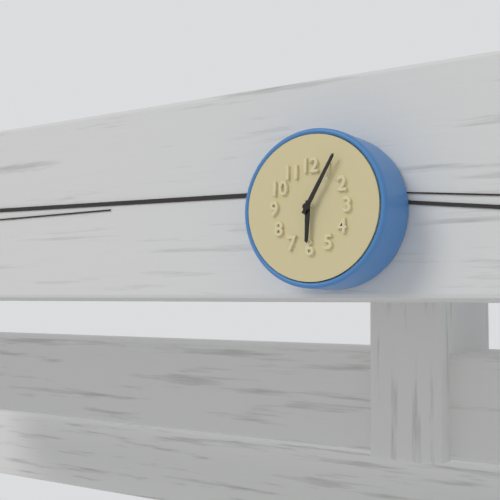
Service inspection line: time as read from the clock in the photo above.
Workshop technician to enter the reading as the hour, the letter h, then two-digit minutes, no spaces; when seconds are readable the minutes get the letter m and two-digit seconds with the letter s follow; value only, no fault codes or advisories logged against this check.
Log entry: 6h05
